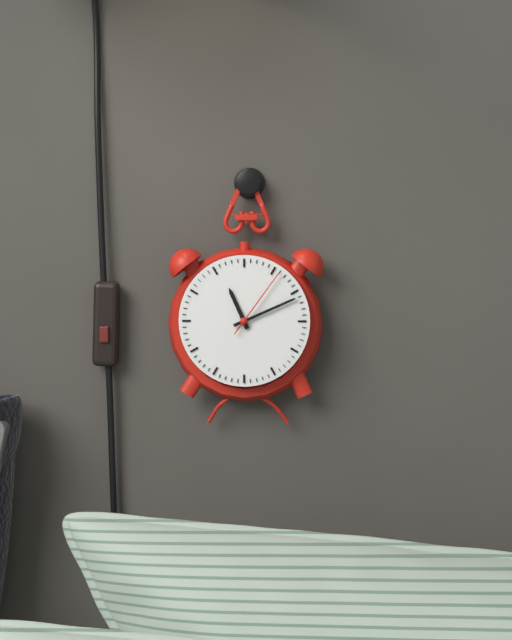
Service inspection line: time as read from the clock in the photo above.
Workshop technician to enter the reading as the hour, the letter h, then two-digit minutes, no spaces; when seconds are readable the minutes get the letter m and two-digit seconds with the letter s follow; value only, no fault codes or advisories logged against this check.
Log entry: 11h11m06s
